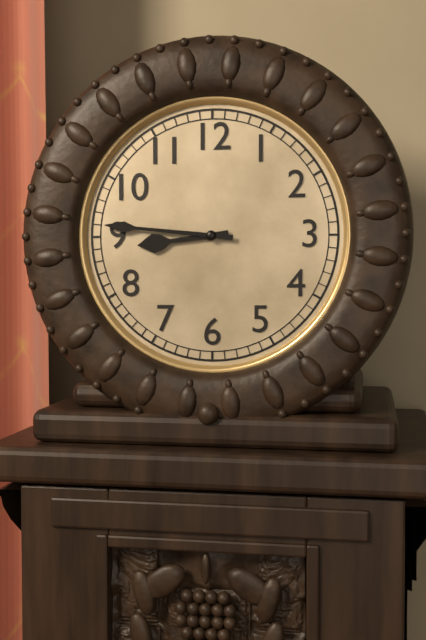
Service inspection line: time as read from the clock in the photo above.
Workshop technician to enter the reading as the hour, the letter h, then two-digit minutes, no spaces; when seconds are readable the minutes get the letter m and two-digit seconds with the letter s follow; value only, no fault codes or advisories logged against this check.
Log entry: 8h46
